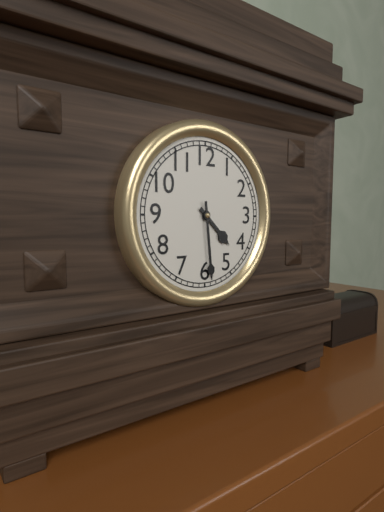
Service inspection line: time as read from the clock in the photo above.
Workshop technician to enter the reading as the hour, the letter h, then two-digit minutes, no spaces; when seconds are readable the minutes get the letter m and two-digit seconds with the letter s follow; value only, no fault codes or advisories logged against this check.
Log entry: 4h29
